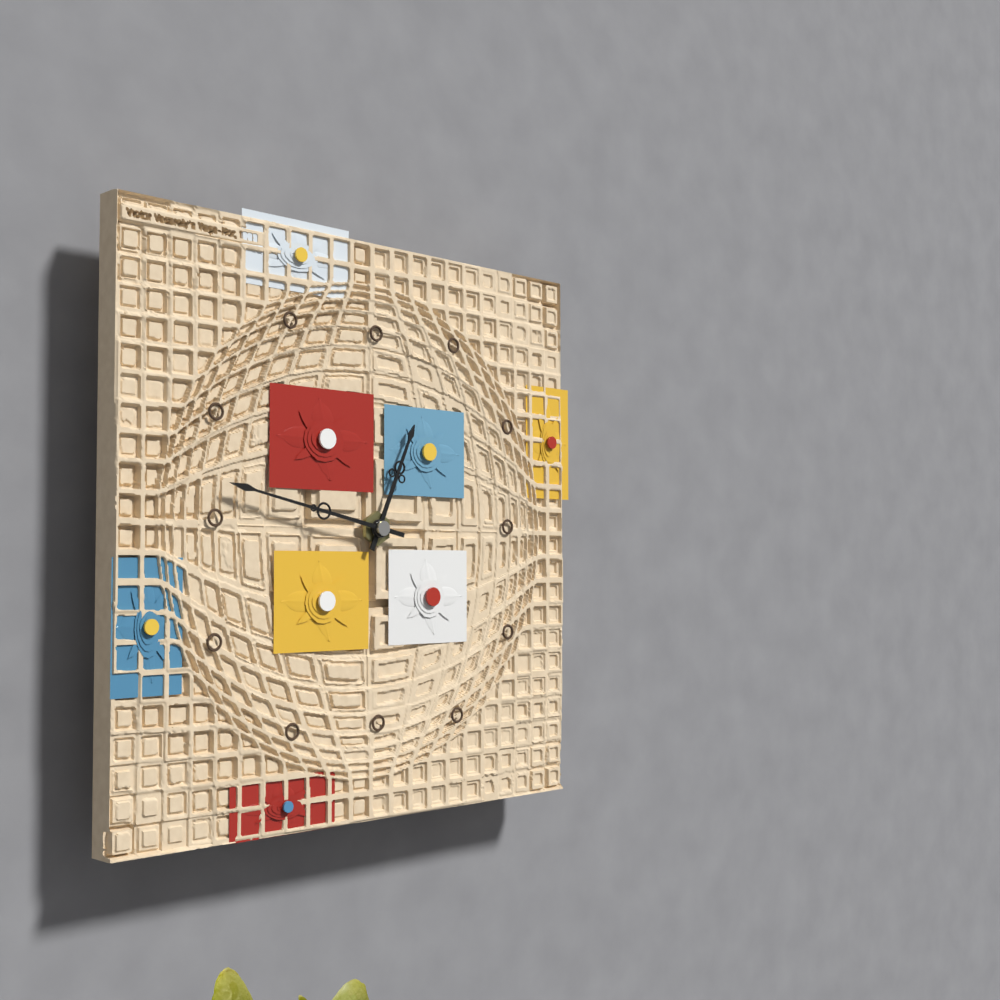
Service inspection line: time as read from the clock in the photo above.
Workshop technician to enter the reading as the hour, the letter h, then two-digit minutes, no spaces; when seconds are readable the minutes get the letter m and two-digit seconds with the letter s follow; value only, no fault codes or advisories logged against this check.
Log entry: 12h47
